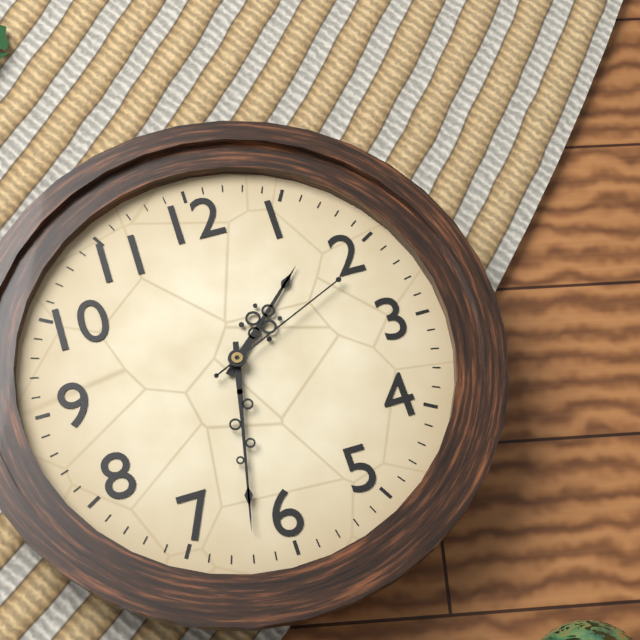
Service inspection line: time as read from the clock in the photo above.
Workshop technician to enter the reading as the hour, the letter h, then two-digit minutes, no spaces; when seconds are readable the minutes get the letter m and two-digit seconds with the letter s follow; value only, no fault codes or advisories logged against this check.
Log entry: 1h32m11s
